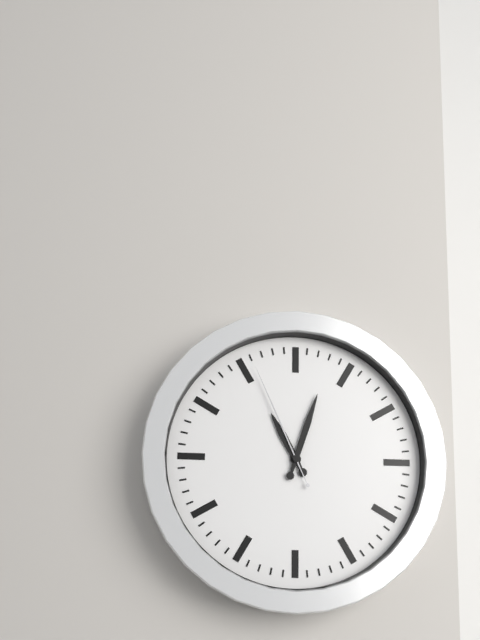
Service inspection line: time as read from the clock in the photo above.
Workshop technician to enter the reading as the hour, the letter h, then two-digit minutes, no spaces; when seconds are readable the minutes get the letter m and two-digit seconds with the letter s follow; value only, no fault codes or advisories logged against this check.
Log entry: 11h03m56s
